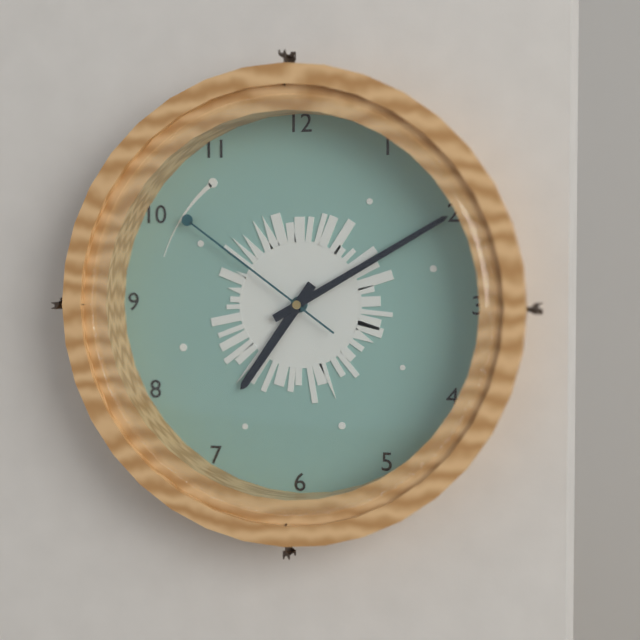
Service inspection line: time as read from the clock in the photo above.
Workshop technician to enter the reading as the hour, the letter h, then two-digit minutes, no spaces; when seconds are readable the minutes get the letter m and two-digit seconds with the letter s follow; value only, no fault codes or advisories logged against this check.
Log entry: 7h10m51s
